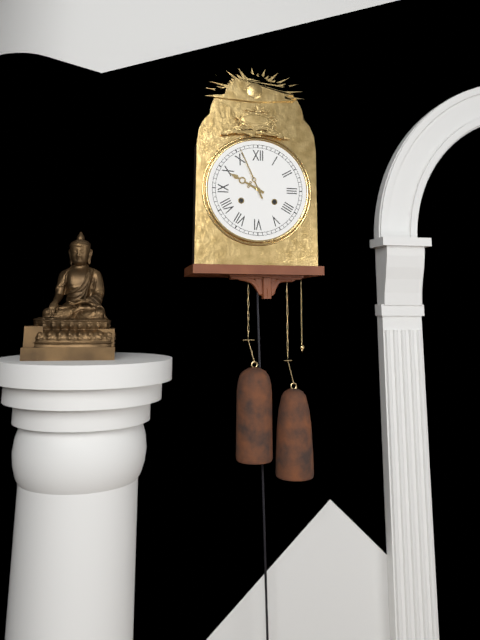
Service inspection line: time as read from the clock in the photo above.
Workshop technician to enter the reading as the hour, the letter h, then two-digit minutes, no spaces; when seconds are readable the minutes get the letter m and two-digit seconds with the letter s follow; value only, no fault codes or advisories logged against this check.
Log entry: 9h56
